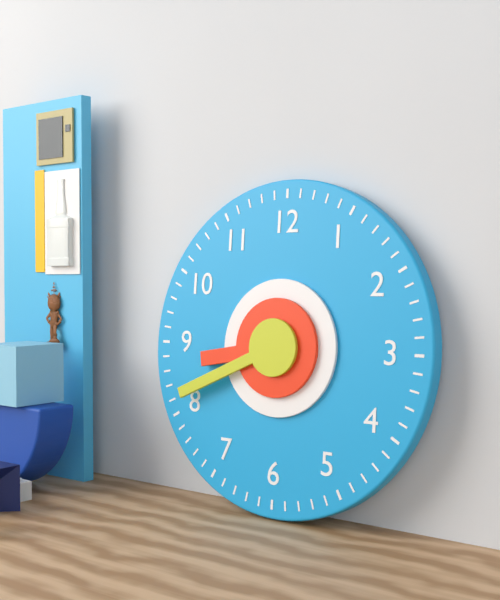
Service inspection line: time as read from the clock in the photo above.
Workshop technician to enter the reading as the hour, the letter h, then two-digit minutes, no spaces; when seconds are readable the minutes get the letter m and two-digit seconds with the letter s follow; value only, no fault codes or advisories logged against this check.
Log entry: 8h41
